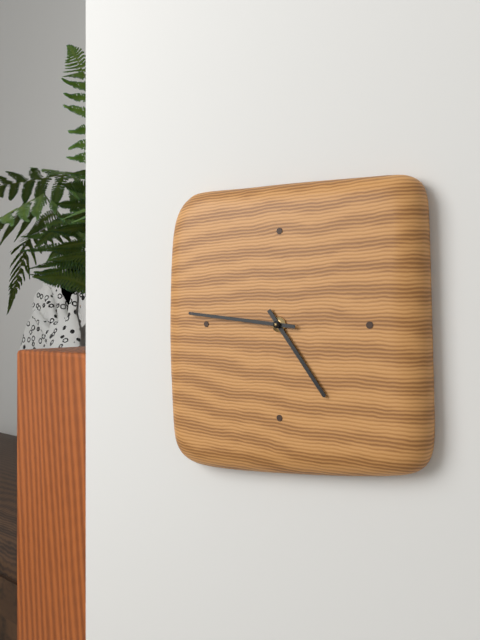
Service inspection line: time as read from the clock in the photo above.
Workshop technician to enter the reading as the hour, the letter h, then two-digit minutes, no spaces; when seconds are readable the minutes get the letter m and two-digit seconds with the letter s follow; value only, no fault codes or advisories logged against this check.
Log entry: 4h46
